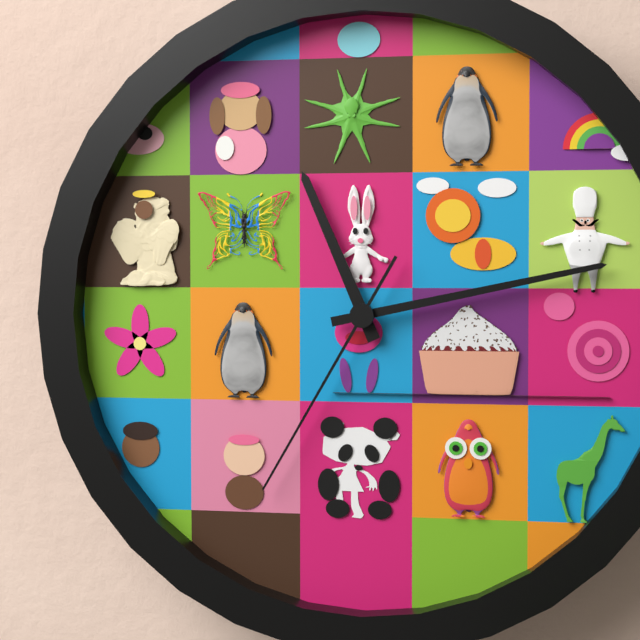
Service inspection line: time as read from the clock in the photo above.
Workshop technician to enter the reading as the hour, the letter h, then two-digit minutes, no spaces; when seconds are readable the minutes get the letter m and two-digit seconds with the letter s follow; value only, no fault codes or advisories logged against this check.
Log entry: 11h13m35s
